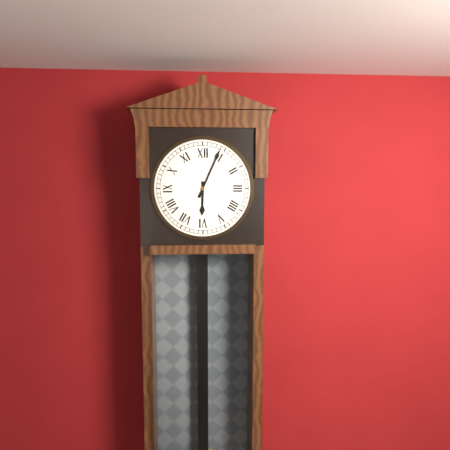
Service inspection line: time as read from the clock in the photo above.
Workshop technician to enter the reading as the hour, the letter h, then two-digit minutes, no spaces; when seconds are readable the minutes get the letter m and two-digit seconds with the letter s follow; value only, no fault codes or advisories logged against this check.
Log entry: 6h04
